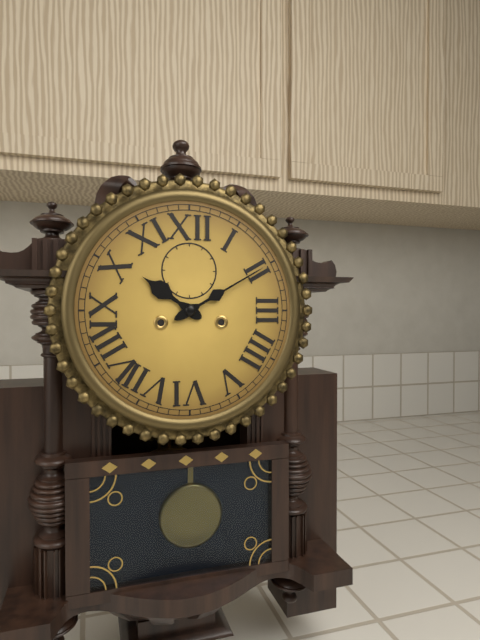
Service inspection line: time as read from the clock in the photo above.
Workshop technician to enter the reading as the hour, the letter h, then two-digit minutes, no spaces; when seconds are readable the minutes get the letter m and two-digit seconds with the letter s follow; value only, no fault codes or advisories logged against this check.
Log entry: 10h10
